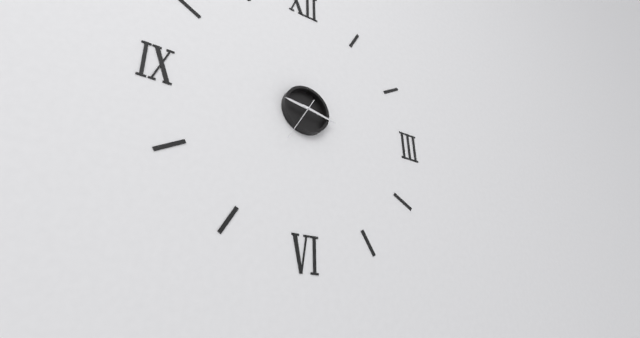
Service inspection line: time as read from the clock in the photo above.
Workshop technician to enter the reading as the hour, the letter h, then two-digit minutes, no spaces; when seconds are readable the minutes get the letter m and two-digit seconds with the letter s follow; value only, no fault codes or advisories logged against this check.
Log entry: 9h17
